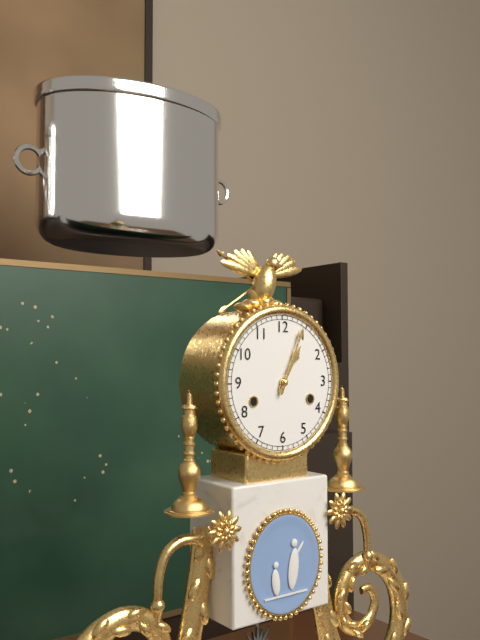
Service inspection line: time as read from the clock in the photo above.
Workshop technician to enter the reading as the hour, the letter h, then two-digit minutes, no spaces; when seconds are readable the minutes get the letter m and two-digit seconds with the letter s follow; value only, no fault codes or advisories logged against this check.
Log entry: 1h04
